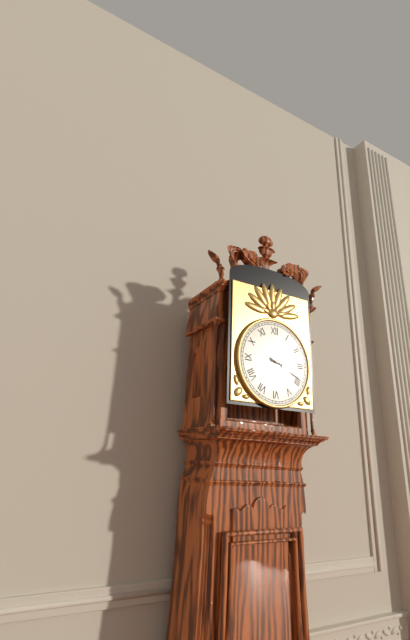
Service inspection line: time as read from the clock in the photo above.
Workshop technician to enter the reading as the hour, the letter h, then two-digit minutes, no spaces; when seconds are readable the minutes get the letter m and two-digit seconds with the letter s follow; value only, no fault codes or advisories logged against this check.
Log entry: 3h19
